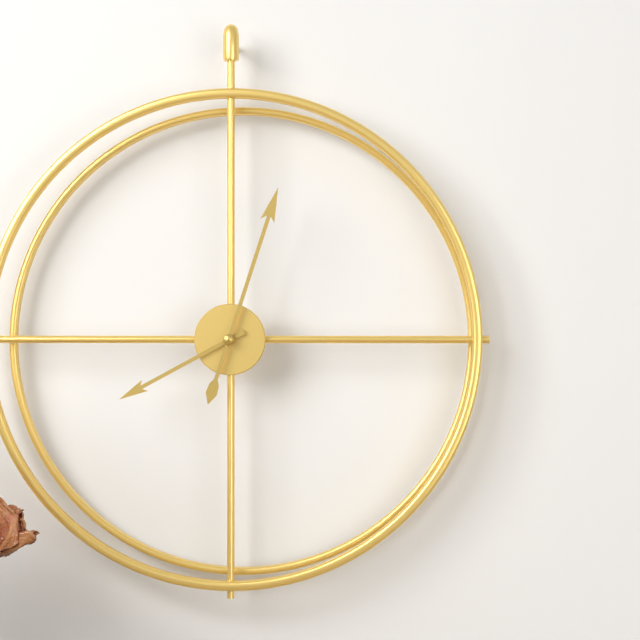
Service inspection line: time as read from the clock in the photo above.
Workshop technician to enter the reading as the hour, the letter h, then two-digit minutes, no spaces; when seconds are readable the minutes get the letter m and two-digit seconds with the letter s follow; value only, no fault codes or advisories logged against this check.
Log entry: 8h03
